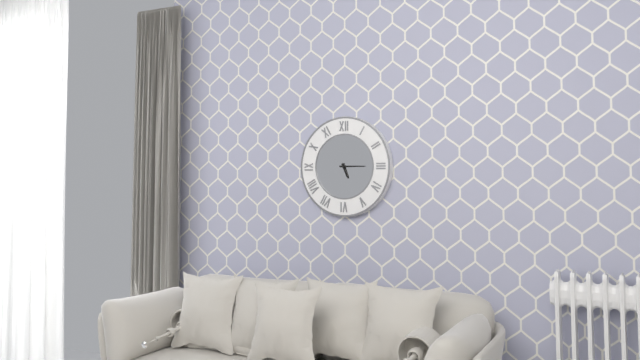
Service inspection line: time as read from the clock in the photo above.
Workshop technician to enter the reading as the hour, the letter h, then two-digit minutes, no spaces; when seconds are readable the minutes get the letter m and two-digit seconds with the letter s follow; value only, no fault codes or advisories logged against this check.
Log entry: 5h15
